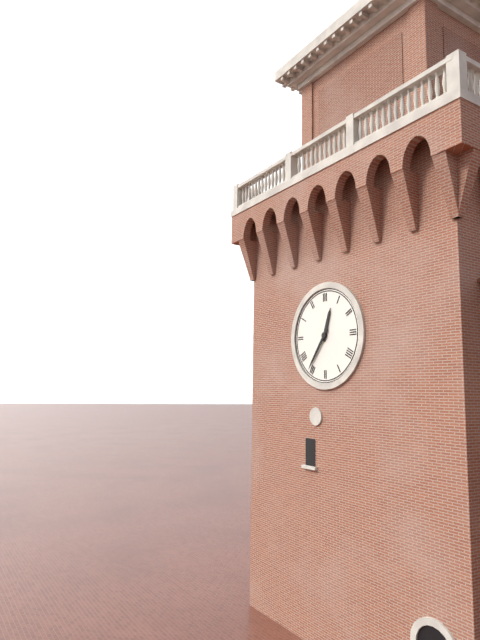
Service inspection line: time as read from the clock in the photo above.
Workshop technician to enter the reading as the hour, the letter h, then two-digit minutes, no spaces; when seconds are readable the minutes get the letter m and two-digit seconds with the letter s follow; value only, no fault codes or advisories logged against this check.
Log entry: 12h36
